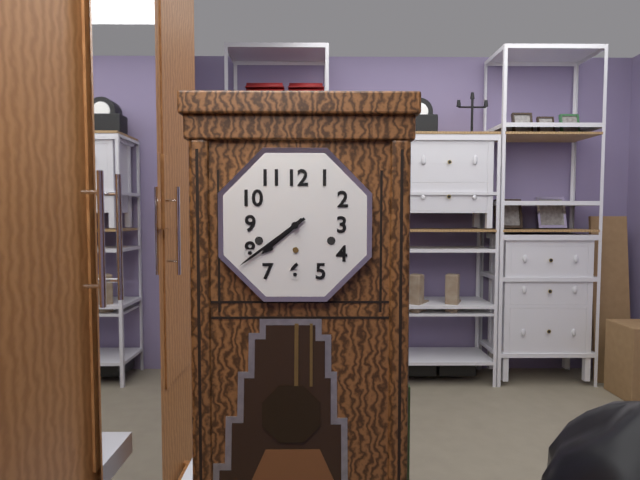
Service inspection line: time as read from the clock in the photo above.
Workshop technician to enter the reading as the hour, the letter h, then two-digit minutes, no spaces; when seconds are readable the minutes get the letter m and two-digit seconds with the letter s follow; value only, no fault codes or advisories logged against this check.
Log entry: 7h39
